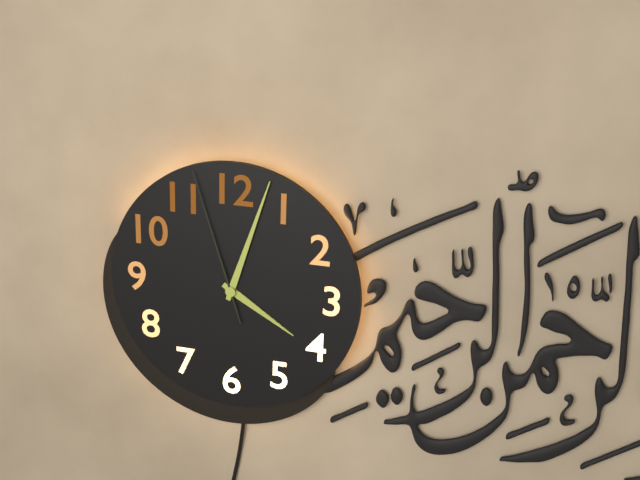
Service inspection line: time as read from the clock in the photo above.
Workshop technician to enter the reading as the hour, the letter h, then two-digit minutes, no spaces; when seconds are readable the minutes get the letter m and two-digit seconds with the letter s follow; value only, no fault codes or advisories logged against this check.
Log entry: 4h03m57s
